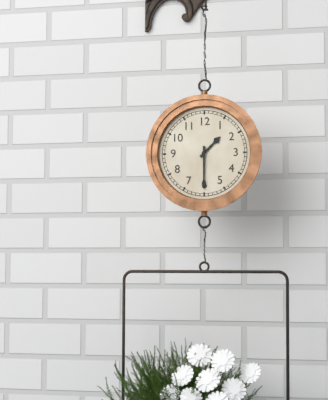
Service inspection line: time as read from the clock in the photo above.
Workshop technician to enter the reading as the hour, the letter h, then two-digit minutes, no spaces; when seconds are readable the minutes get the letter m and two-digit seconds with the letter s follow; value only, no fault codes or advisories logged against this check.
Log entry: 1h30
